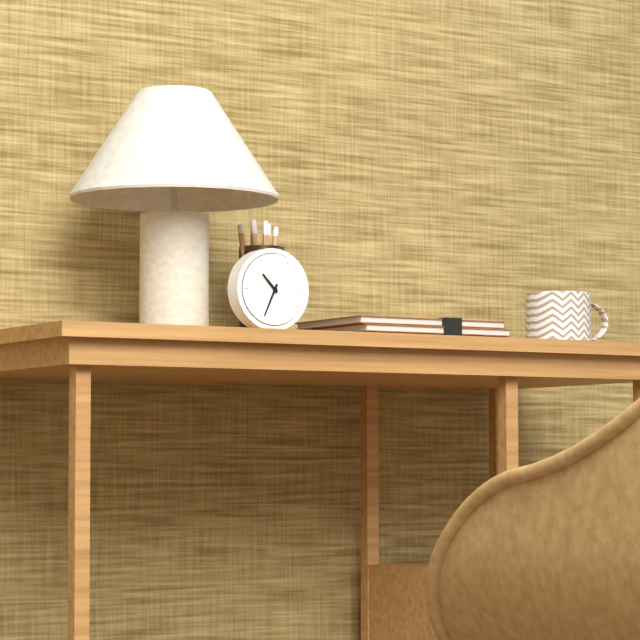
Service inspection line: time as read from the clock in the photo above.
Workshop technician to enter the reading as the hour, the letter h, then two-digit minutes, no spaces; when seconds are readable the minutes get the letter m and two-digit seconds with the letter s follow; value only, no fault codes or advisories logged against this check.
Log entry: 10h34
